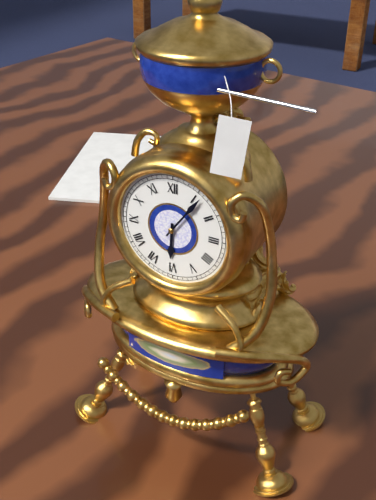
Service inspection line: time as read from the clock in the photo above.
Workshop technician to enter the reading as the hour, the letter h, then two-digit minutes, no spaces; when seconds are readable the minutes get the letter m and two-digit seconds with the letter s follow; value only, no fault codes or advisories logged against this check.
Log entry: 6h06
